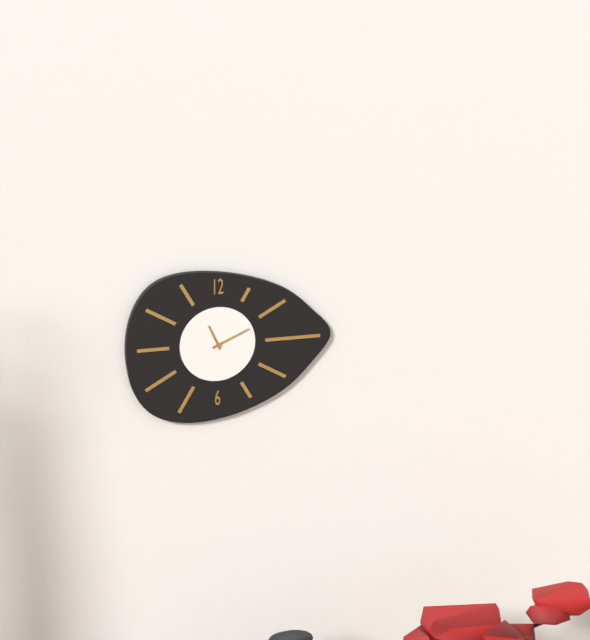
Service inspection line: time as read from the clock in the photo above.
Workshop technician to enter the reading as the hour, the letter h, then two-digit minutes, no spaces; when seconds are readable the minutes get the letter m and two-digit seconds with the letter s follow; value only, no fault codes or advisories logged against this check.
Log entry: 11h11
